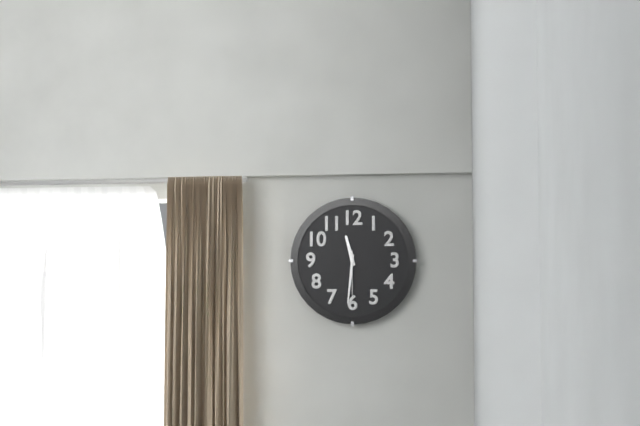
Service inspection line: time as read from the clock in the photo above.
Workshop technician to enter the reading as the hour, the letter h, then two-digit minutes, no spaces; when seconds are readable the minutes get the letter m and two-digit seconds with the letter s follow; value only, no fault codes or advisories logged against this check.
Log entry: 11h31
